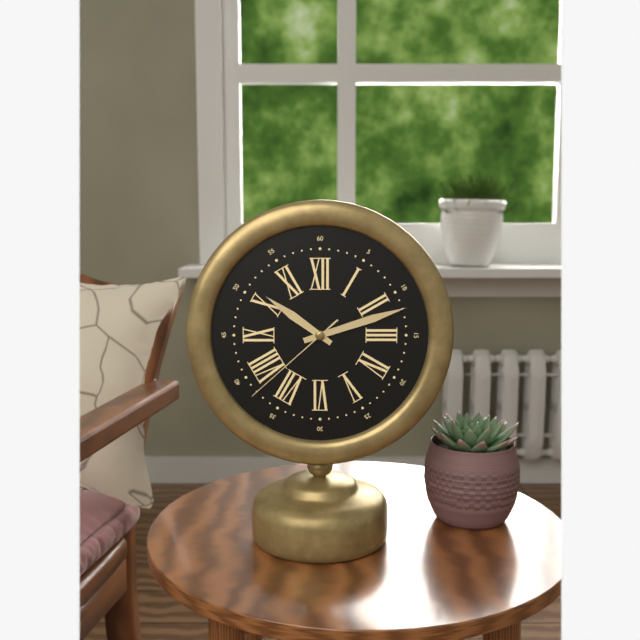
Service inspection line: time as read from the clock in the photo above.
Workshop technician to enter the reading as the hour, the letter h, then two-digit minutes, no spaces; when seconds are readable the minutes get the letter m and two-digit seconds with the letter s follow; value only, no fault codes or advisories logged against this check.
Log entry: 10h12m38s
